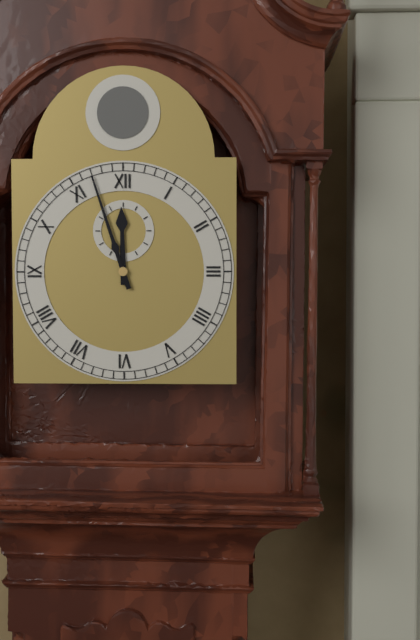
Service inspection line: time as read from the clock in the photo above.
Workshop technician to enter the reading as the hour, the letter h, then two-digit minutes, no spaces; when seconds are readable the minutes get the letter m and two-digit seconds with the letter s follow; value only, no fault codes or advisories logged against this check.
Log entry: 11h57
